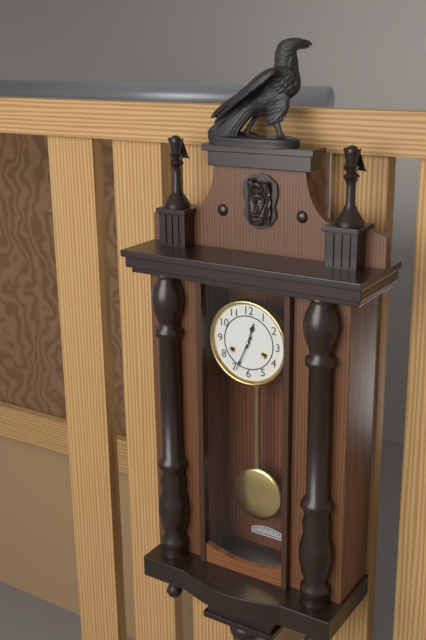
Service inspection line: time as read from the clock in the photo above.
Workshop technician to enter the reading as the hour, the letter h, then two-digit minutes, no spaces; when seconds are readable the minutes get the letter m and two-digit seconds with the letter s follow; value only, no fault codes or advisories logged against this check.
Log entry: 12h34
